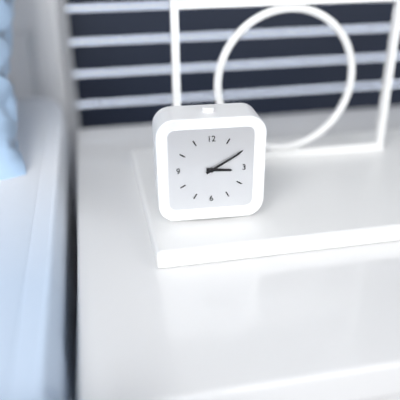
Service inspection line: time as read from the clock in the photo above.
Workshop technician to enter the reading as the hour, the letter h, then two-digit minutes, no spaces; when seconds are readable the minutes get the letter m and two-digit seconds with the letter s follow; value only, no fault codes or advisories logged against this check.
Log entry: 3h10
